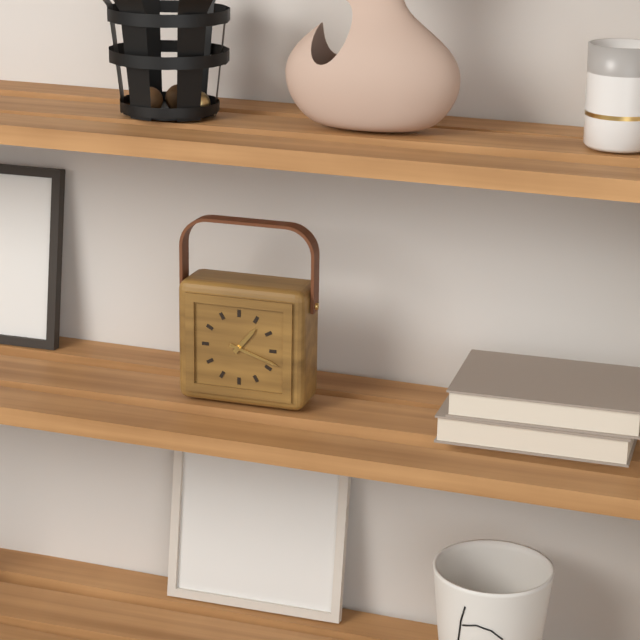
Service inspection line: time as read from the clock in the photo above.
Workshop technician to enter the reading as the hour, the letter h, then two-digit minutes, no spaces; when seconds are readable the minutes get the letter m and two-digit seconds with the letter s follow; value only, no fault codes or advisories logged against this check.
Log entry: 1h18
